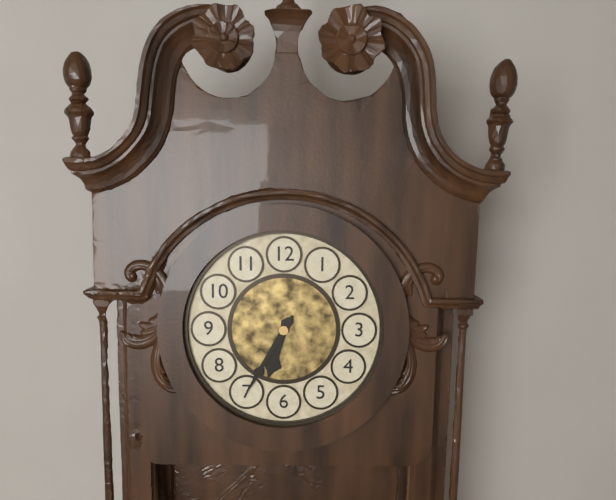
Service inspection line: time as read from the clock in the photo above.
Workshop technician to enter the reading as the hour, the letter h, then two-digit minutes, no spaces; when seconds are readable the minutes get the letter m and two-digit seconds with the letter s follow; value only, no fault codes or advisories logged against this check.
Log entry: 6h35
